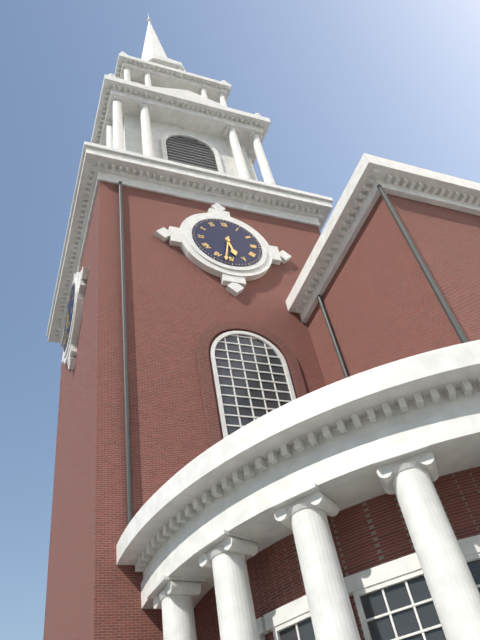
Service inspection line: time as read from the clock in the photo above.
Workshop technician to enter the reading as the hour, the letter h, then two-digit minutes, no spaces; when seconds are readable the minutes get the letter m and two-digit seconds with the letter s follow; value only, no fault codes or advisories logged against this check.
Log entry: 5h32
